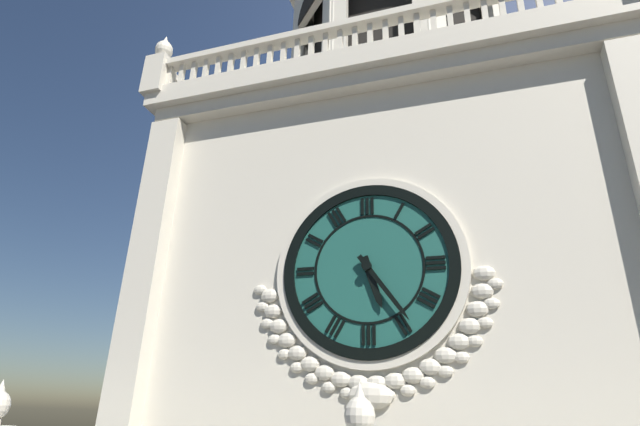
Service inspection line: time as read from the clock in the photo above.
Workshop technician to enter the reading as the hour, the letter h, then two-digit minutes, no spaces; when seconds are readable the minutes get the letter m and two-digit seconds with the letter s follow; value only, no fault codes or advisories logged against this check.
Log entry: 5h24
